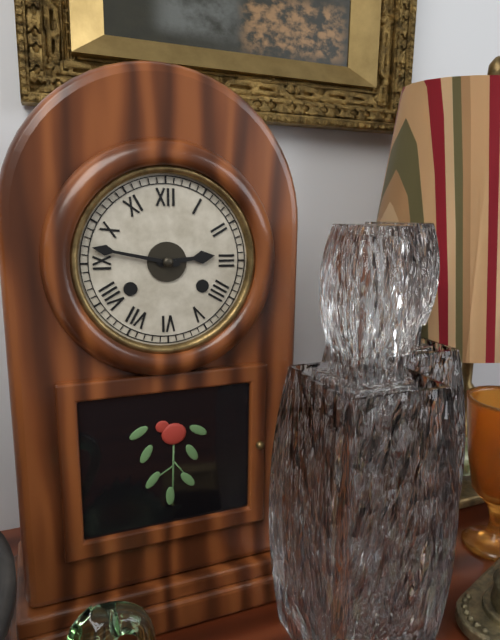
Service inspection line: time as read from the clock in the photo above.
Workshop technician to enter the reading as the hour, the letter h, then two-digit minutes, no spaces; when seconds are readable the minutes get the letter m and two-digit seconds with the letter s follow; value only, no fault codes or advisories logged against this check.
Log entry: 2h47
